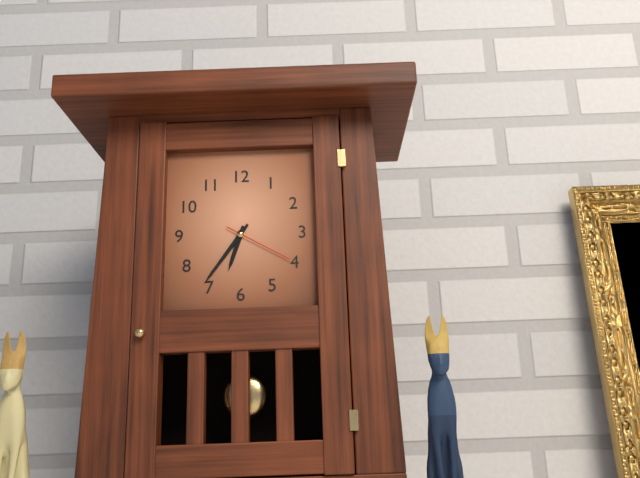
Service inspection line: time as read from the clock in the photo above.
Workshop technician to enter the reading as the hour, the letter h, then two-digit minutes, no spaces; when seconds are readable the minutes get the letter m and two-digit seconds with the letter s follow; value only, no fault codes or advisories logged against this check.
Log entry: 6h36m20s
